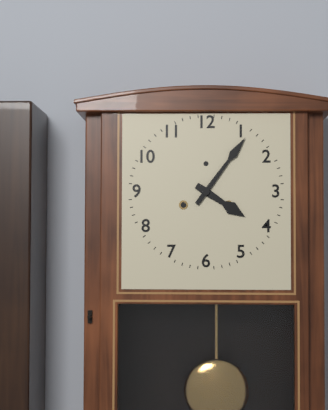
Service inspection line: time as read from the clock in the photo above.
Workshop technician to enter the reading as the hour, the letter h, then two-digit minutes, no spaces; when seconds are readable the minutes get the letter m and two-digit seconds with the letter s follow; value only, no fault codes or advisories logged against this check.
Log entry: 4h06
